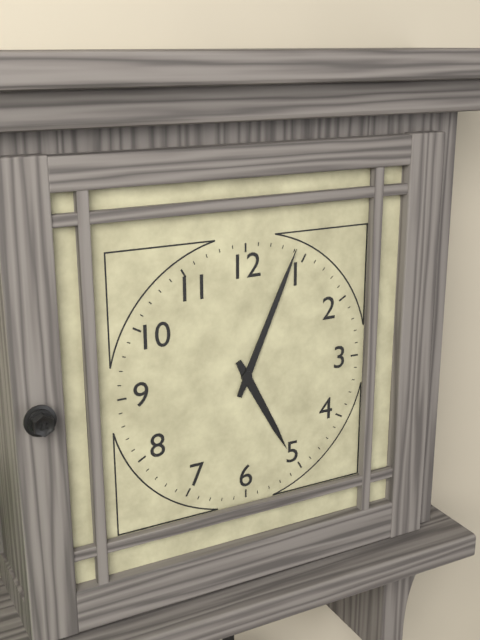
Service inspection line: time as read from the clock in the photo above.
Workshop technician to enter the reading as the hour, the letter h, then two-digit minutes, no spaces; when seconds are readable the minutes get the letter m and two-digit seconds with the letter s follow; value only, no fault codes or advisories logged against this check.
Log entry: 5h04
